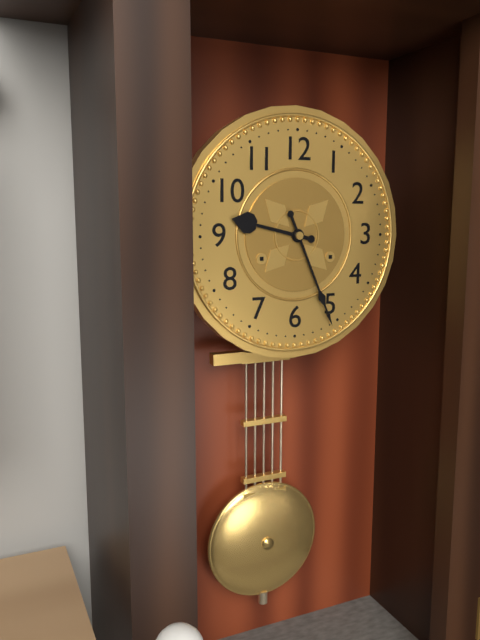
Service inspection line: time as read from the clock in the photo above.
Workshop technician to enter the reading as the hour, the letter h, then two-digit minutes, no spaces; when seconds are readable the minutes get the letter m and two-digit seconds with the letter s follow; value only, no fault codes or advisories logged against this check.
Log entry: 9h26
